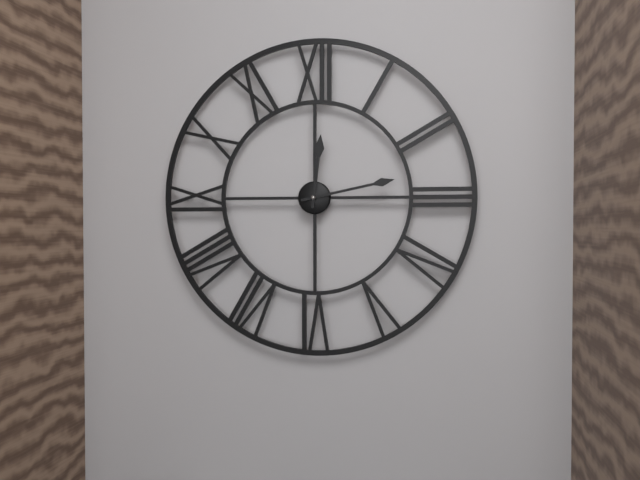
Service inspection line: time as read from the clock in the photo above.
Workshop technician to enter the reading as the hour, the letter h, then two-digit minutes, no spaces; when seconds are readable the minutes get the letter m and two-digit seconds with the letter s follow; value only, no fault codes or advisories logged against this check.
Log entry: 12h13
